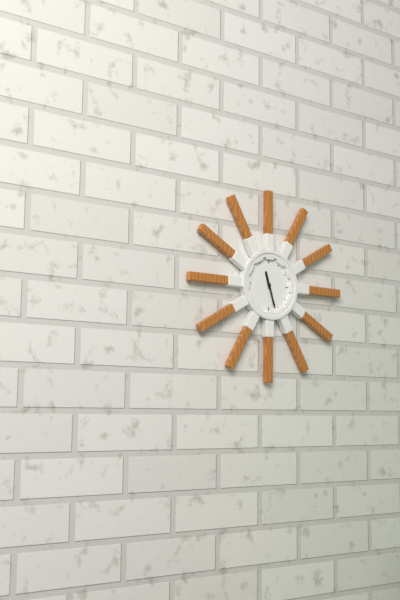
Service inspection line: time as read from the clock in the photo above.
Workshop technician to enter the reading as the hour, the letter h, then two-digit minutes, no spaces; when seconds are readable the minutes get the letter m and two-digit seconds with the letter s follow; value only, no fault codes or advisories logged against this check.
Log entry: 11h27
